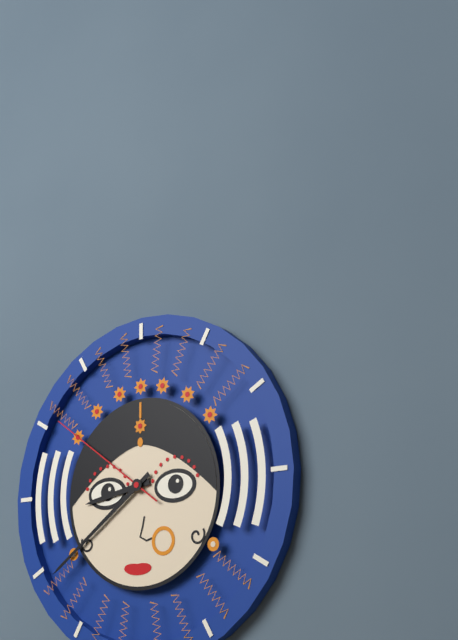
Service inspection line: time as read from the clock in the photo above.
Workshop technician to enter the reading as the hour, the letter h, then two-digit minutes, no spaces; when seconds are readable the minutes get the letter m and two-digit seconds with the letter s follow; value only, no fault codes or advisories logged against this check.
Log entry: 8h39m51s
